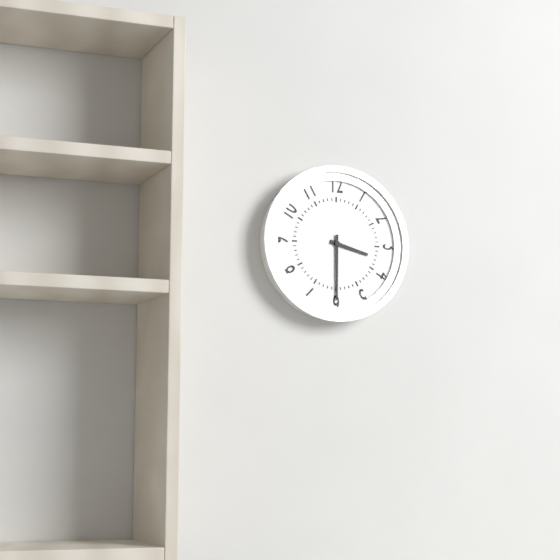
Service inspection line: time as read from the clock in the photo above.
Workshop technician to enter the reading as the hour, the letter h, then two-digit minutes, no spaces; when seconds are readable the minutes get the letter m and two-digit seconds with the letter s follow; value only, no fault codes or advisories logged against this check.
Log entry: 3h30
